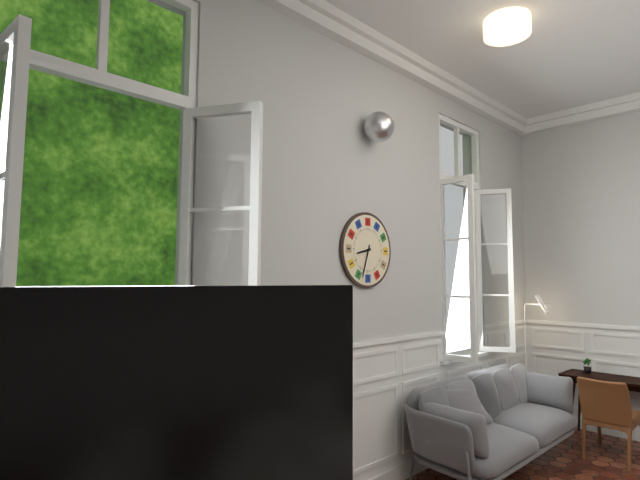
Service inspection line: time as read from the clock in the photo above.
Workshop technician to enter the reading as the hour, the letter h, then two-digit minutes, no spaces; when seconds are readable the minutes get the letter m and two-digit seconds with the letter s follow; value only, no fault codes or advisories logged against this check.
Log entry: 8h33
